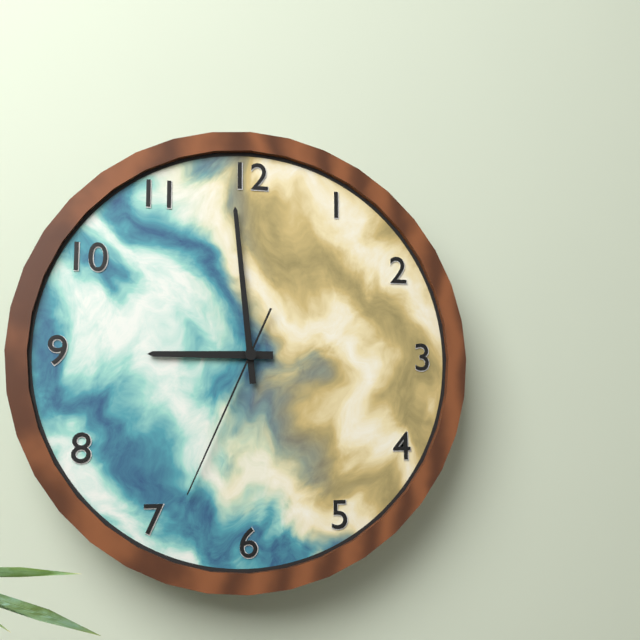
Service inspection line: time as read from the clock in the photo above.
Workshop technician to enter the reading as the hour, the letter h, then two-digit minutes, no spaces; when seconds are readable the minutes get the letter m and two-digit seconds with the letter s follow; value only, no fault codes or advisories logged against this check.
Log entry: 8h59m34s
